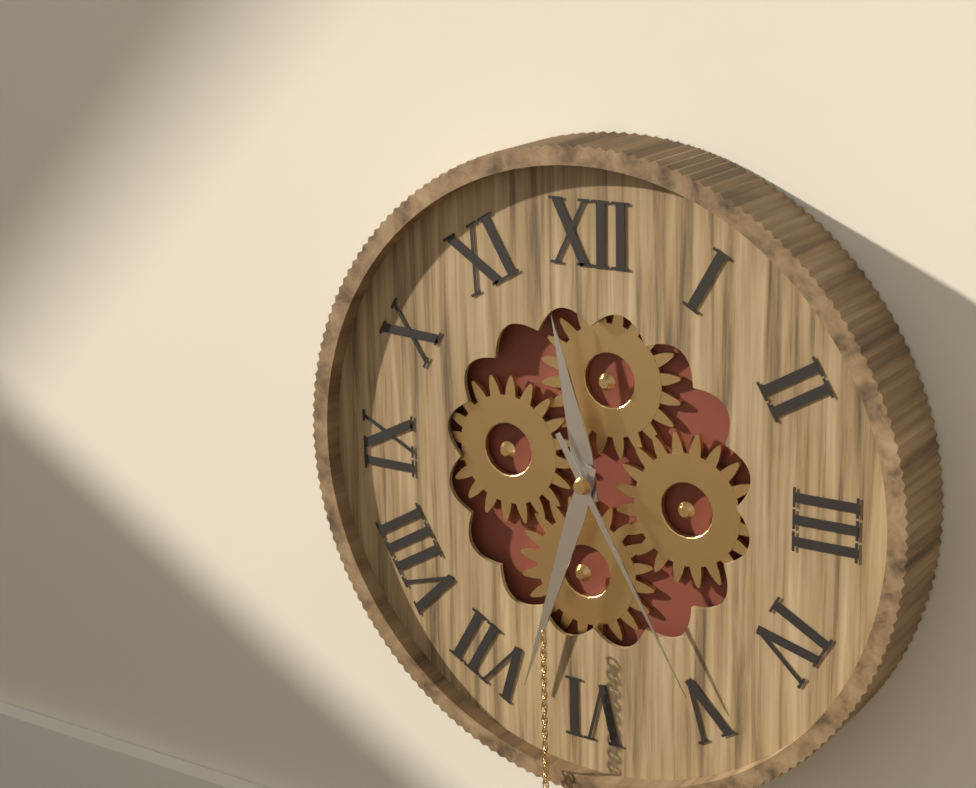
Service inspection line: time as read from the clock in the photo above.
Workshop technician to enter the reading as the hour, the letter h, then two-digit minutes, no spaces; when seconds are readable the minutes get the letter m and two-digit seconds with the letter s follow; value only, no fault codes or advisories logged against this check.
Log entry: 11h33m25s
